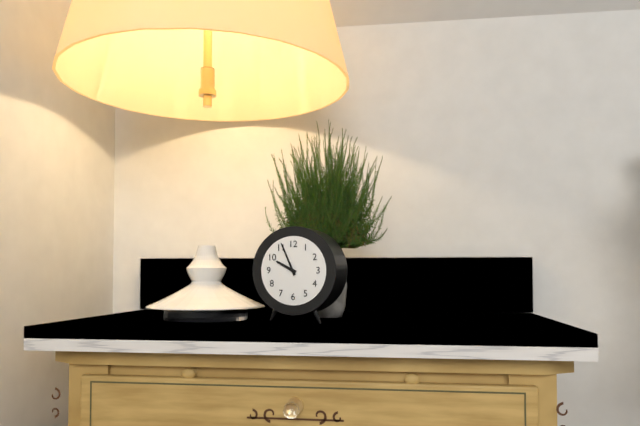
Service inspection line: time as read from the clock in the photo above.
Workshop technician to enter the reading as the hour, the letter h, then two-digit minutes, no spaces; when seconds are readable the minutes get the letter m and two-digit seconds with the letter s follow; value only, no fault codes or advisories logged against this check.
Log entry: 9h56
